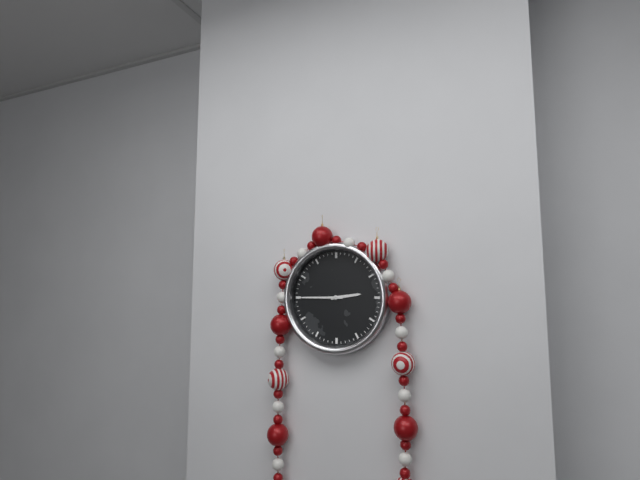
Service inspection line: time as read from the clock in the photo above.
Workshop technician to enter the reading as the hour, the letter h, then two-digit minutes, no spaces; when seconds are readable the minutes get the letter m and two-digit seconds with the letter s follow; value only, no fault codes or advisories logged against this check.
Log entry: 2h45
